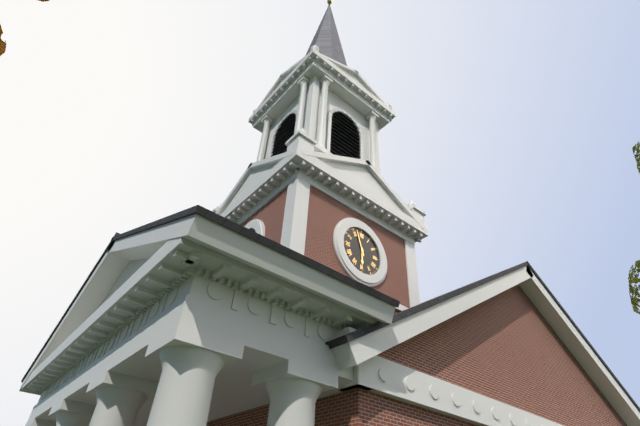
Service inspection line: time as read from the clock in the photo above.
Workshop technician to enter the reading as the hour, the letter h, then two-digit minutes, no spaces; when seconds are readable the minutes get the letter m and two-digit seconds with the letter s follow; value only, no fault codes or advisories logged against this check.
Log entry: 5h57
